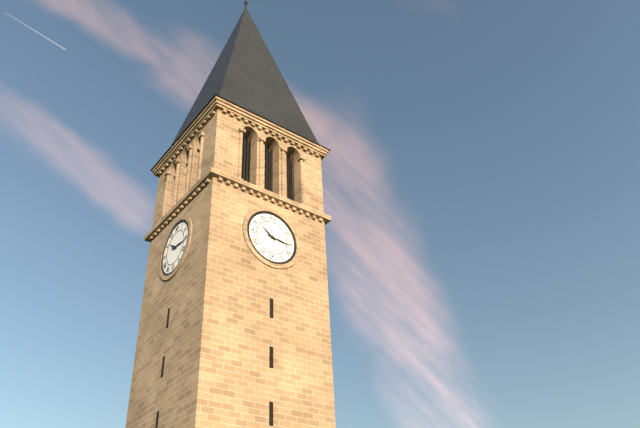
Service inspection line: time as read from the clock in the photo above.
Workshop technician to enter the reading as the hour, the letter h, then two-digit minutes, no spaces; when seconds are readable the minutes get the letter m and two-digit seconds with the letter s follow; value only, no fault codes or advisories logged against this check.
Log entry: 10h16
